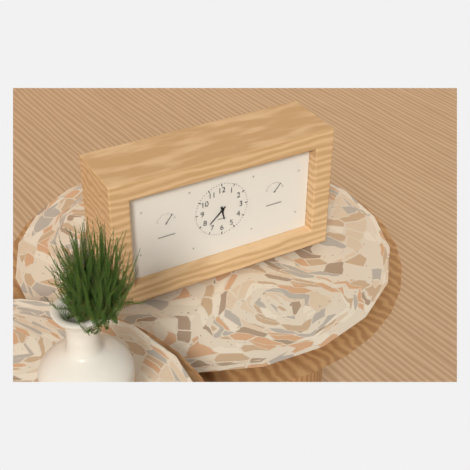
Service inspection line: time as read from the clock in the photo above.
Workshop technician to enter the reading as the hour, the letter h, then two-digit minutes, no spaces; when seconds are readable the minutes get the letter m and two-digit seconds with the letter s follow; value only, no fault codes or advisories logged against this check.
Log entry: 5h38
